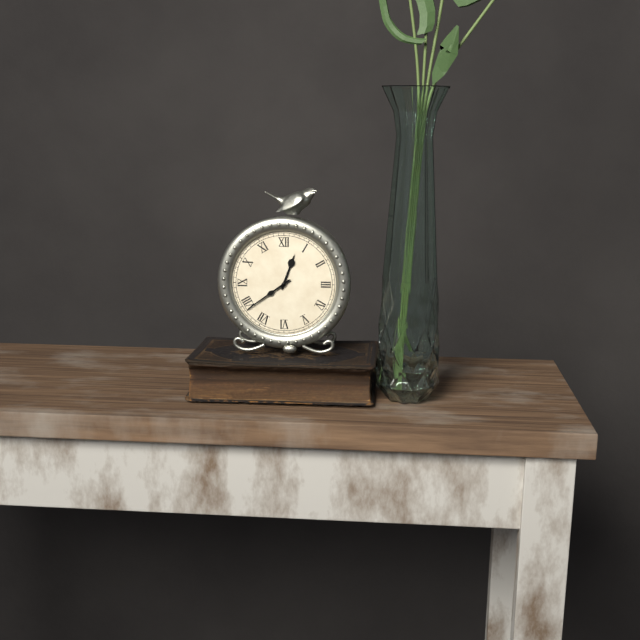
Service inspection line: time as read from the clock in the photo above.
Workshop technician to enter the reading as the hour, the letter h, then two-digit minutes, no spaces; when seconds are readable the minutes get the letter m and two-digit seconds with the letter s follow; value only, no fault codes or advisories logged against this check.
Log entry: 12h39
